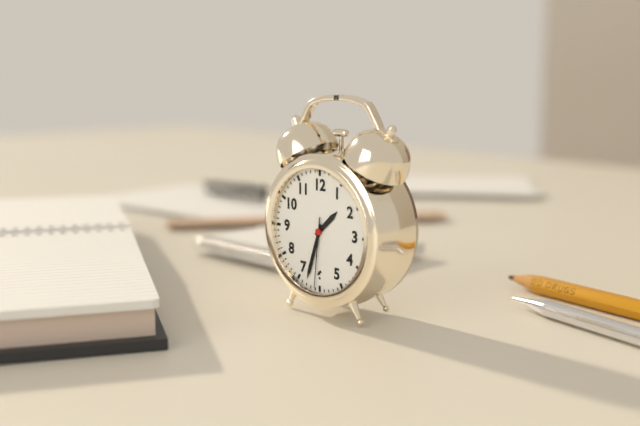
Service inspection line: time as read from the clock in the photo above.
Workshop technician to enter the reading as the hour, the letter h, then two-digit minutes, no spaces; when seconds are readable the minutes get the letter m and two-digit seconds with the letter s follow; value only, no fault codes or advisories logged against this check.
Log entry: 1h33m31s
